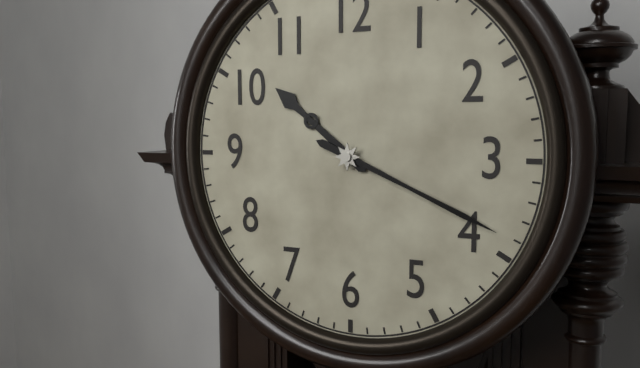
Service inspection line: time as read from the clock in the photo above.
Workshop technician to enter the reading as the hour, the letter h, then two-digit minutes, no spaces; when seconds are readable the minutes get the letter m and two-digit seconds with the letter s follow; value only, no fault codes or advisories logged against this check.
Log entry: 10h19
